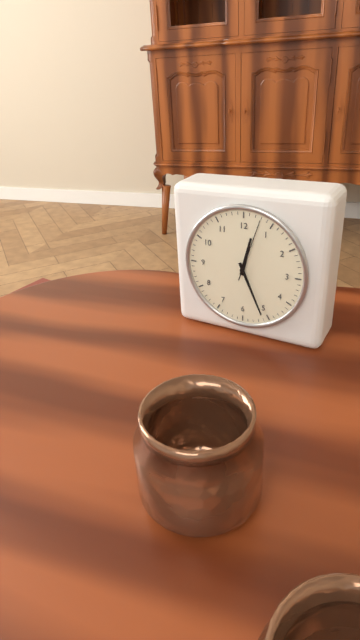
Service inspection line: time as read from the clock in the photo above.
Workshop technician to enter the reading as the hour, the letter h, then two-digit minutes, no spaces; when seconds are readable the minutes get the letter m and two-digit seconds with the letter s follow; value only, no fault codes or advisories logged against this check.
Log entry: 12h26m03s
